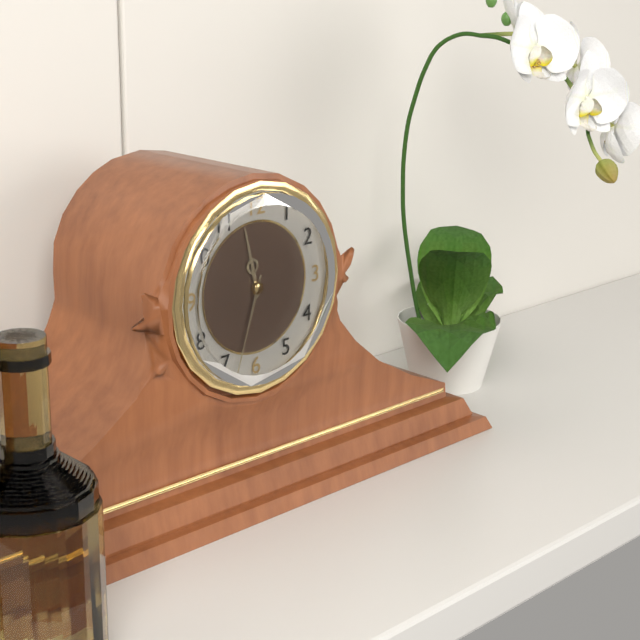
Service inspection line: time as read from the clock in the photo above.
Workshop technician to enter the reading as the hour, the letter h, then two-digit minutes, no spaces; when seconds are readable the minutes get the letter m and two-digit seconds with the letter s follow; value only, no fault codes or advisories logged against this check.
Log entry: 11h33
